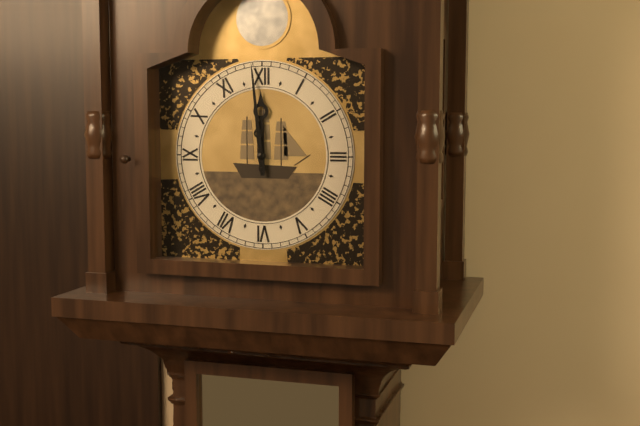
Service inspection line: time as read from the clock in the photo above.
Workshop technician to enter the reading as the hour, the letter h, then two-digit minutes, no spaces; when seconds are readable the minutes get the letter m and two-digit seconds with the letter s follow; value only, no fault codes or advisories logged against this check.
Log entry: 11h59
